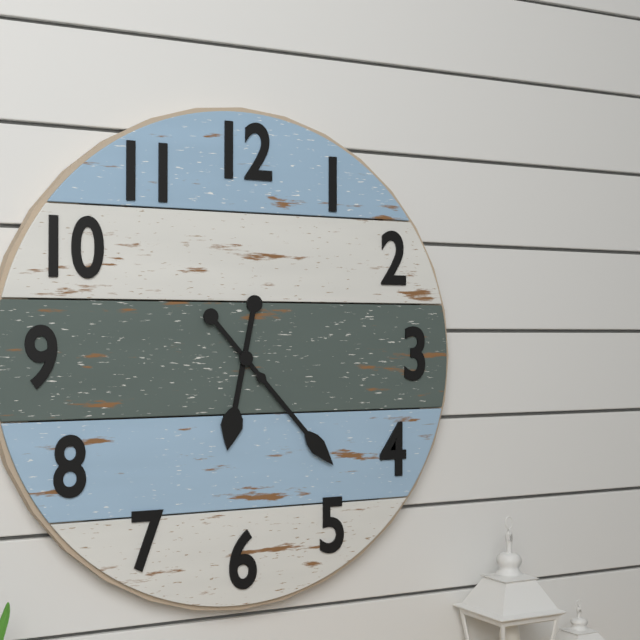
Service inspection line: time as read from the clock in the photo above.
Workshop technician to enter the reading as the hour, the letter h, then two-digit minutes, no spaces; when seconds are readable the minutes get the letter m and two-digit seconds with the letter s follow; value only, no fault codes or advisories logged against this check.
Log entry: 6h23
